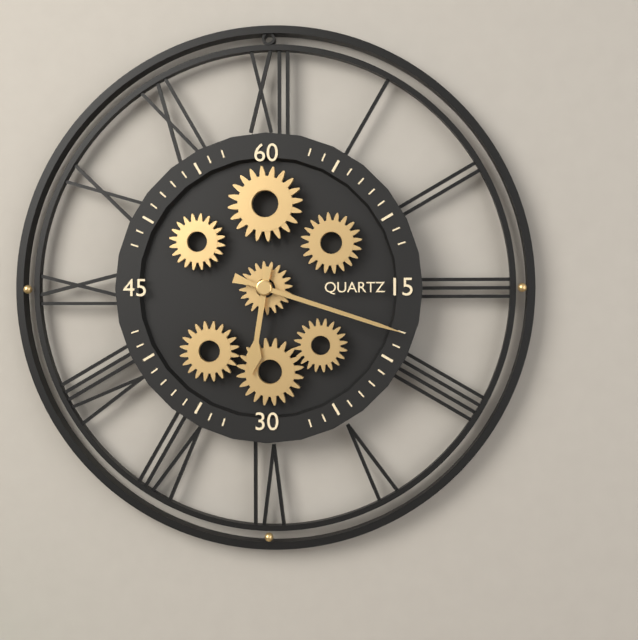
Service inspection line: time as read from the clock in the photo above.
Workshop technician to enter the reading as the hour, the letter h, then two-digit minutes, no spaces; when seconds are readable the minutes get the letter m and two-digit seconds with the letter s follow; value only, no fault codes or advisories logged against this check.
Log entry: 6h18
